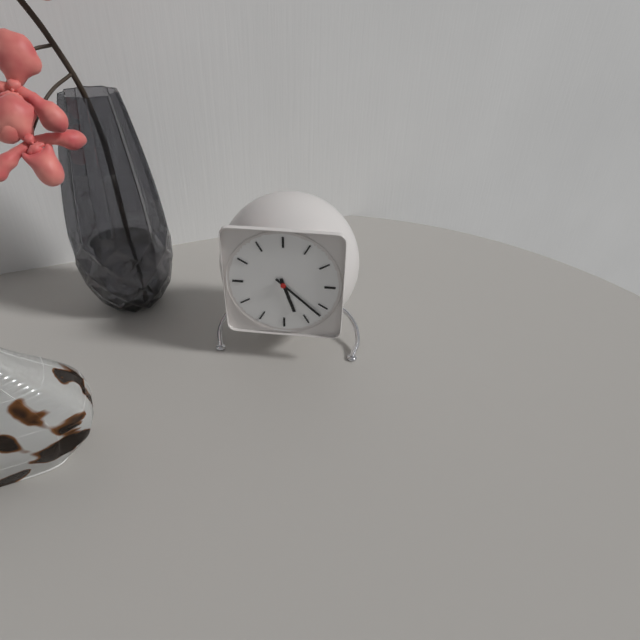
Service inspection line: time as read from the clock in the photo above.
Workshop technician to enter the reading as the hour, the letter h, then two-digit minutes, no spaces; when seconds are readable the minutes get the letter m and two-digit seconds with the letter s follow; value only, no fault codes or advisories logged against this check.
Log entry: 5h22
